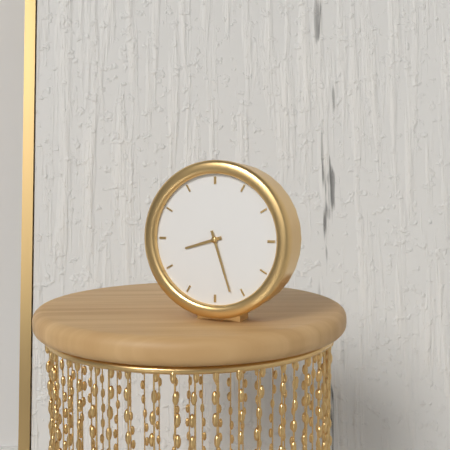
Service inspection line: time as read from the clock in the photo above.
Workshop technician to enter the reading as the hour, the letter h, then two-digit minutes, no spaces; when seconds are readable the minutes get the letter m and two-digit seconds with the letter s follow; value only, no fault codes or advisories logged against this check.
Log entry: 8h27
